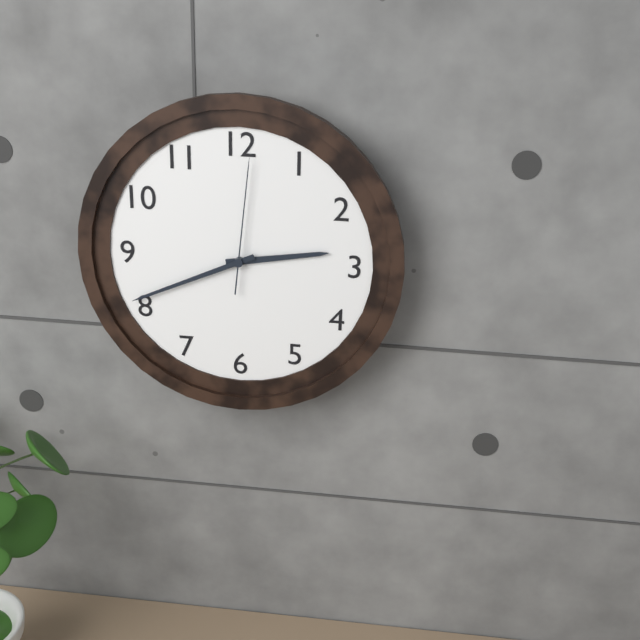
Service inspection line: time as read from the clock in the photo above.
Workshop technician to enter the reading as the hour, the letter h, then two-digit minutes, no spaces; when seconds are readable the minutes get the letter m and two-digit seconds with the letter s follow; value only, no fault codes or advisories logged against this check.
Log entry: 2h41m01s
